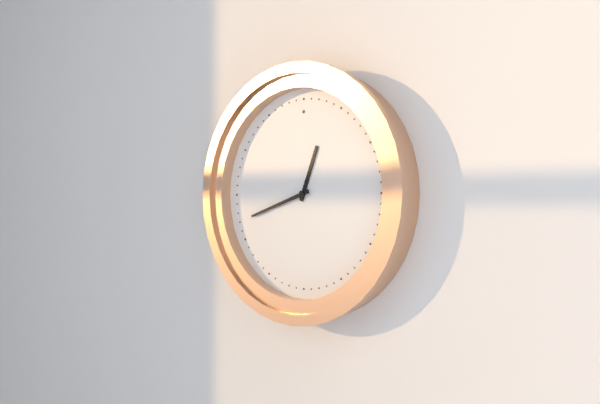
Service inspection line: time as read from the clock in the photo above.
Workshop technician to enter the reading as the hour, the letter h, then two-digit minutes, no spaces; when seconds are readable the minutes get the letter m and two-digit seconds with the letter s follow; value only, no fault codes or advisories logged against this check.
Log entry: 12h42
